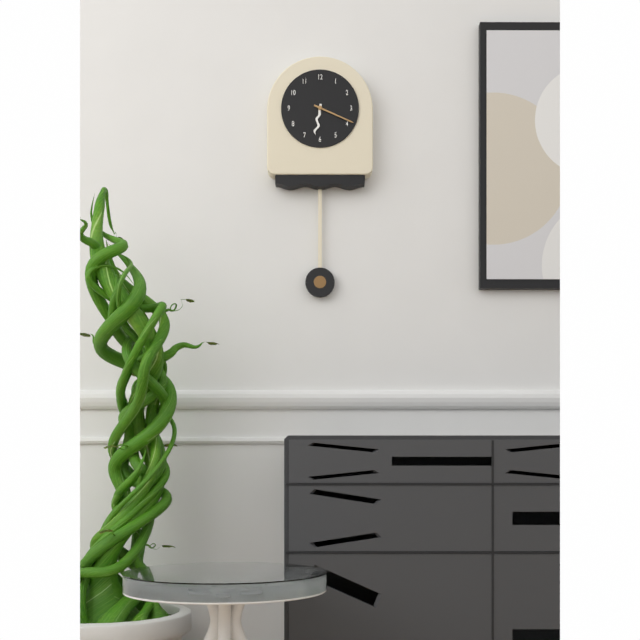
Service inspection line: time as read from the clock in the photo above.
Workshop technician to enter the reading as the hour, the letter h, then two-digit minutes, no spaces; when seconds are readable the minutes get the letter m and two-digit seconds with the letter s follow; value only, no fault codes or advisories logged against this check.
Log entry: 6h19
